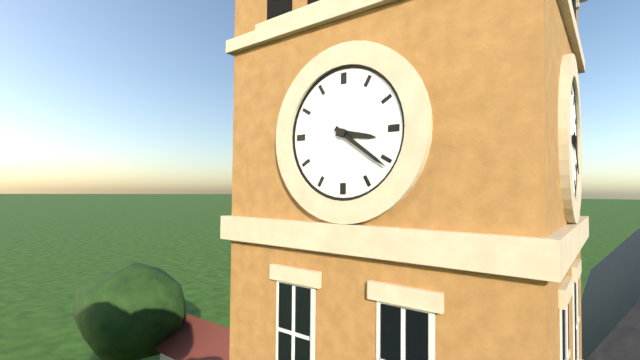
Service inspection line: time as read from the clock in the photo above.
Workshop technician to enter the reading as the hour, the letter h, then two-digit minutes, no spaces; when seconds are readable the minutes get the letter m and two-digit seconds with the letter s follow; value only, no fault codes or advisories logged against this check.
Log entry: 3h21
